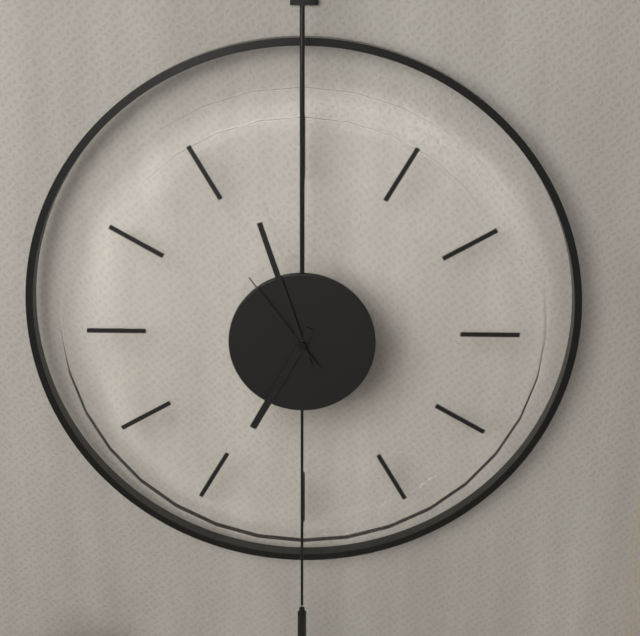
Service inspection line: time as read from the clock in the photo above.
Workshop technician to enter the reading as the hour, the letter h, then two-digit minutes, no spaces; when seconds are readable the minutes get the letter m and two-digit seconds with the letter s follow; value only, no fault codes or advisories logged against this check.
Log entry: 6h57m54s
